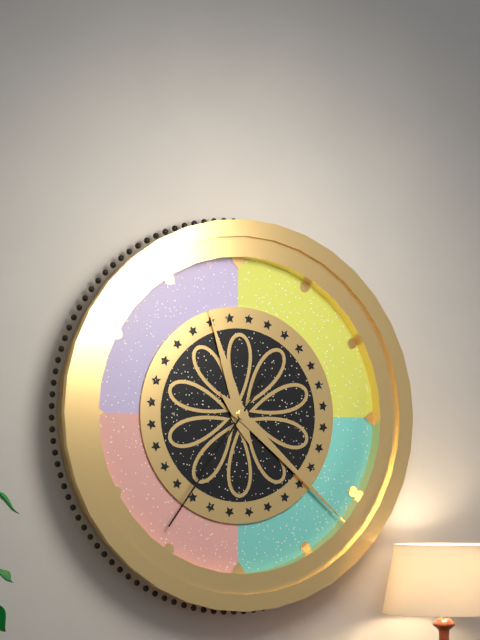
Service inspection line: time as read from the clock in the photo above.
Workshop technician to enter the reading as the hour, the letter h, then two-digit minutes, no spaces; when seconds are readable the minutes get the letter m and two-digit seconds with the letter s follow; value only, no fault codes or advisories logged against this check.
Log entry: 11h22m36s
